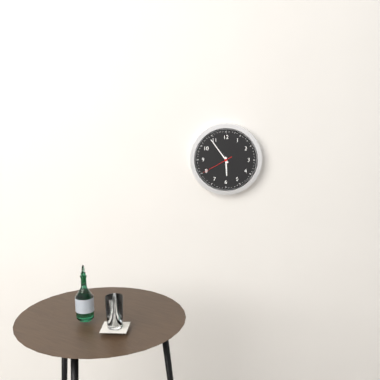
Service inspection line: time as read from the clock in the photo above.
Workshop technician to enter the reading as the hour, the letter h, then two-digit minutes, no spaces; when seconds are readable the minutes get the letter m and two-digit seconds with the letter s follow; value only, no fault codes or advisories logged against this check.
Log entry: 5h54
